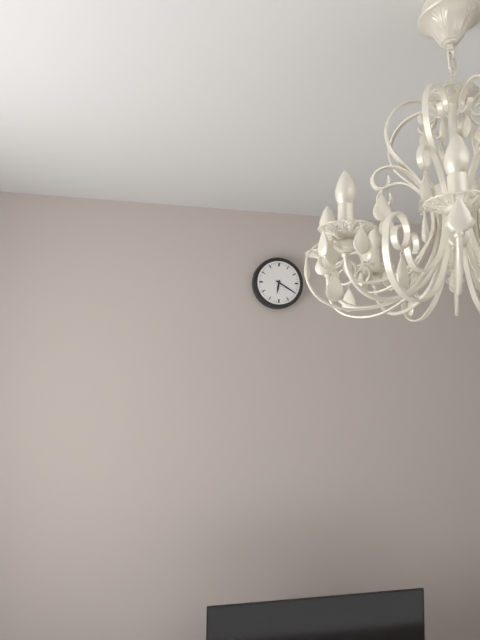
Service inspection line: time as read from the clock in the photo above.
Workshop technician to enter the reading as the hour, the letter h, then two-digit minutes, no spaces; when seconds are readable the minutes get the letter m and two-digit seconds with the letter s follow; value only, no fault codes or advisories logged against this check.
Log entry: 6h20
